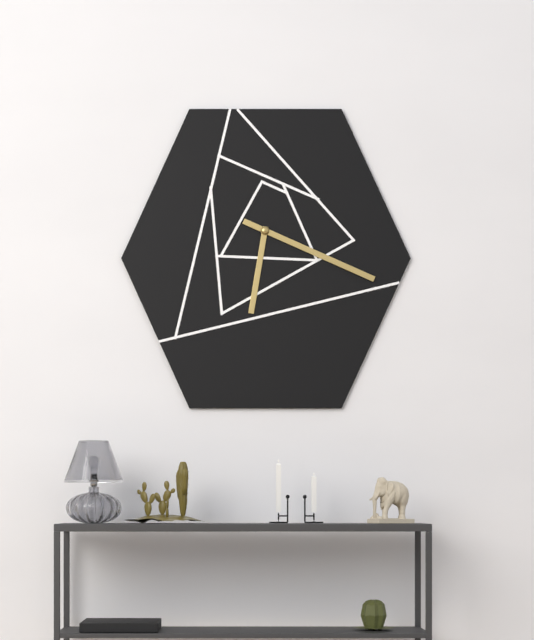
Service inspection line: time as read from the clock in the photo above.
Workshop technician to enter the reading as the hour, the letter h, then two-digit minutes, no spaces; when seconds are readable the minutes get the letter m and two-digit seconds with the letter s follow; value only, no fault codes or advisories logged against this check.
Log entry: 6h19
